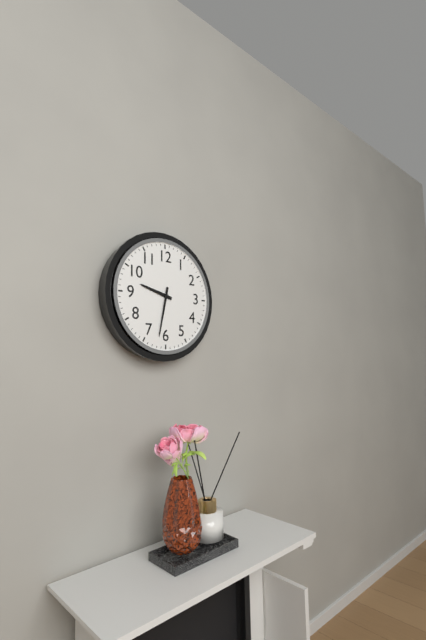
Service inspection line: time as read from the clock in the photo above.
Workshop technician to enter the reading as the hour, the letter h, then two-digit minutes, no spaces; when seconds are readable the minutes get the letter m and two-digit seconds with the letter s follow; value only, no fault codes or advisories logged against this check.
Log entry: 9h32
